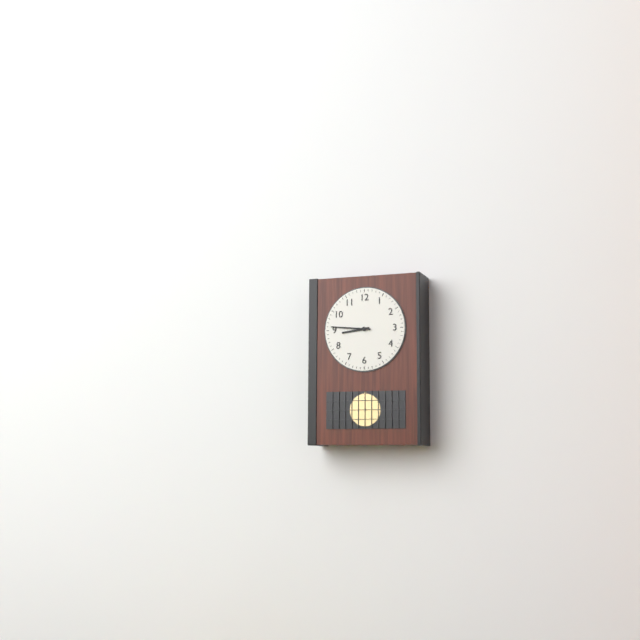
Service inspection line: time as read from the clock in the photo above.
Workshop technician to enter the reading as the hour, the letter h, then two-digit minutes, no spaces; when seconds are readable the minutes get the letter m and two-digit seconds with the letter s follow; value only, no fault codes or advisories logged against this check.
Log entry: 8h46
